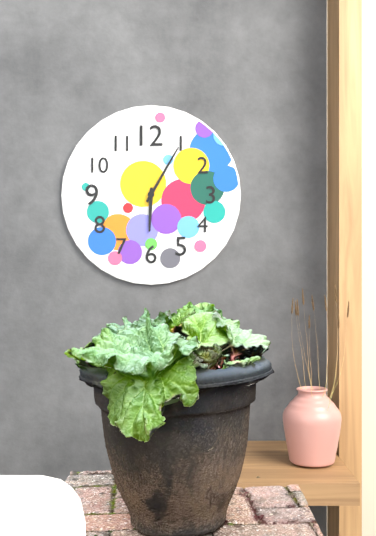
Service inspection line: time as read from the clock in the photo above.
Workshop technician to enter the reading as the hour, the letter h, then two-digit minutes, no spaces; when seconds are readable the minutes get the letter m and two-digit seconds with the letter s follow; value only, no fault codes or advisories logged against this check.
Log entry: 6h05
